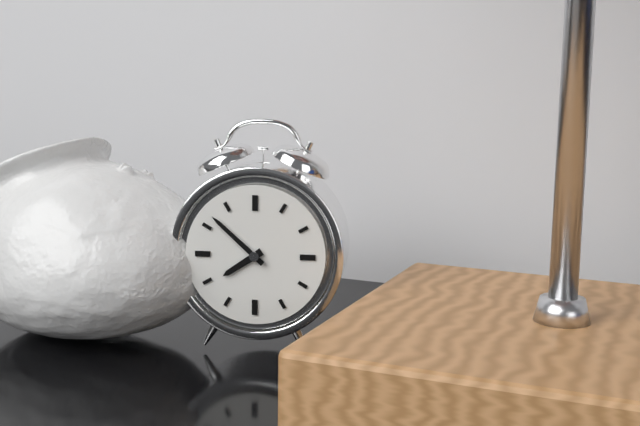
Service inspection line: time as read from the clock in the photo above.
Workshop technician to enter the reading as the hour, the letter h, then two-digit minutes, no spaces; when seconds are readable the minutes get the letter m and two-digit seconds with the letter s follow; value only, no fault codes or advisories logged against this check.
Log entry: 7h52
